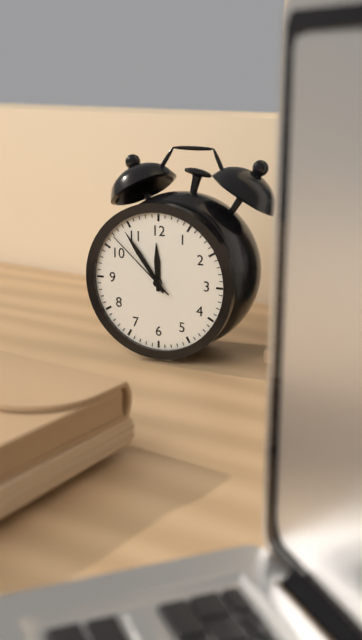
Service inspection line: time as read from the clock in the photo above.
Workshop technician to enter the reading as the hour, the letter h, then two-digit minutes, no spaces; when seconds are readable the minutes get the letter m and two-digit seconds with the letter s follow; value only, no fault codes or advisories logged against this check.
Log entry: 11h54m52s
